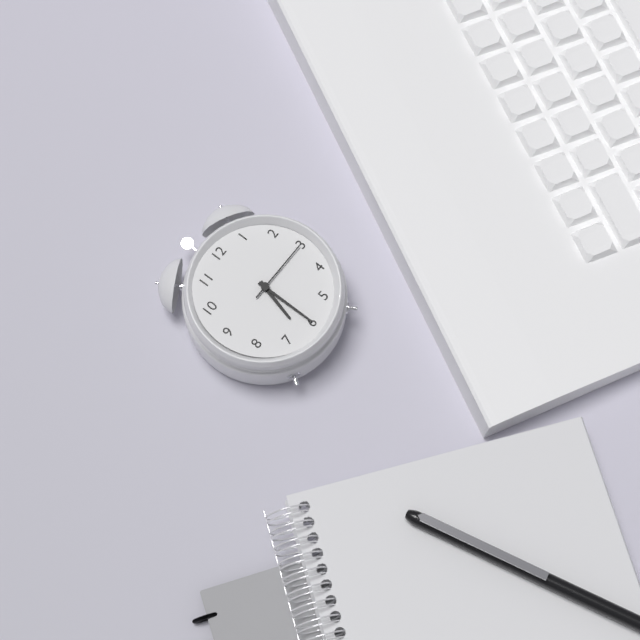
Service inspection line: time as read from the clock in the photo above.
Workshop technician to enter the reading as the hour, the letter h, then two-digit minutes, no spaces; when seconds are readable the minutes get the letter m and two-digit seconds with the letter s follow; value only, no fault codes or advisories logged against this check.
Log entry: 6h30m15s
